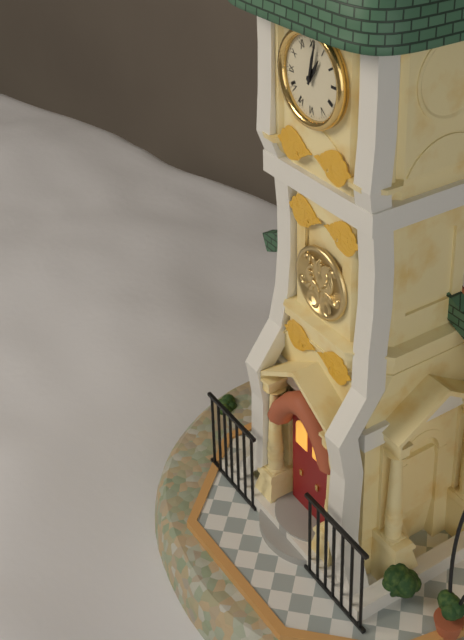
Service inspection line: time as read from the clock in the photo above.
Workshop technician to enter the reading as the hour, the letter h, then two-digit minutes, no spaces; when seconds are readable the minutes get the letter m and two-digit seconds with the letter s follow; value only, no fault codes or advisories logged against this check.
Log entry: 1h02
